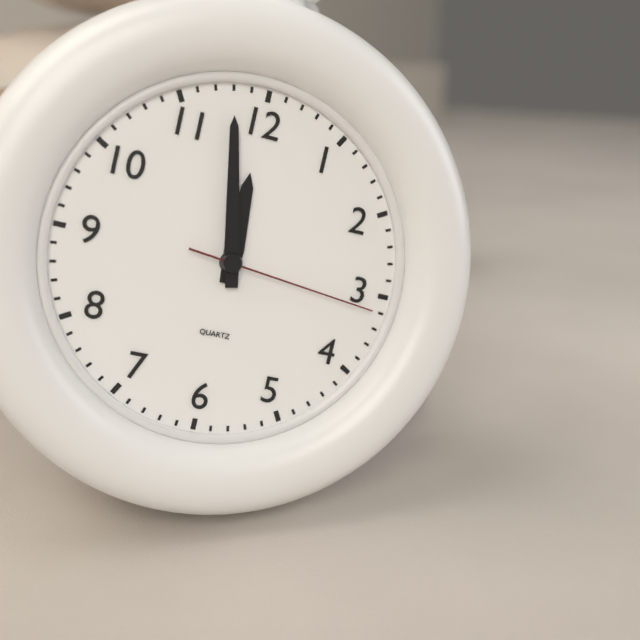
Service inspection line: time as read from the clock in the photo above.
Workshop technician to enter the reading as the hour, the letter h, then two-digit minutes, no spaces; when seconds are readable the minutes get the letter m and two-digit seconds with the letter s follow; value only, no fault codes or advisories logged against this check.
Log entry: 11h58m16s
